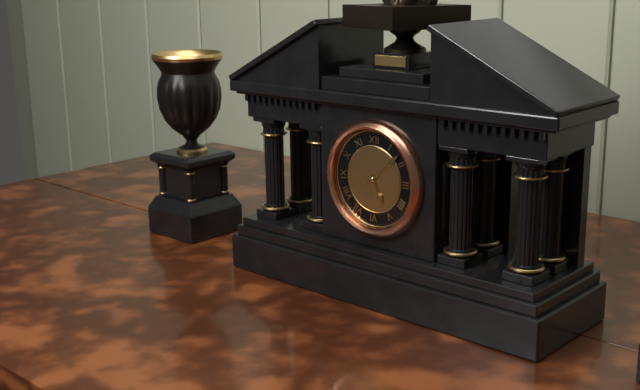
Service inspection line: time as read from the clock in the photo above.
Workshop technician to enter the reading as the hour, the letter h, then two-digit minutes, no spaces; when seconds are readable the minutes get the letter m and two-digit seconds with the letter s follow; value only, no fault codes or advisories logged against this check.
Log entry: 5h08
